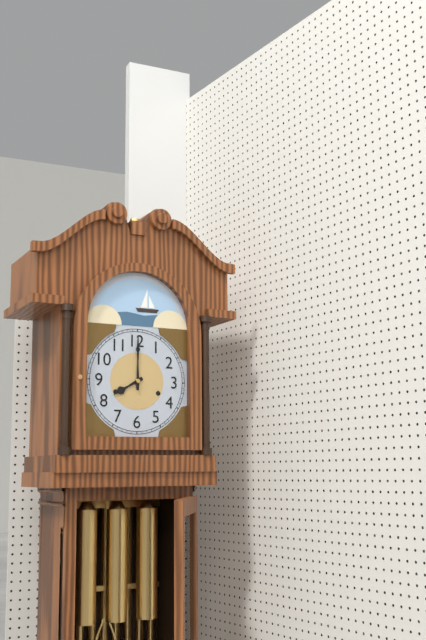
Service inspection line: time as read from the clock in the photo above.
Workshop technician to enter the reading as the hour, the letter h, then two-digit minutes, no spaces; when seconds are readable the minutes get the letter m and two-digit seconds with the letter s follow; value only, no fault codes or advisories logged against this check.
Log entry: 8h00
